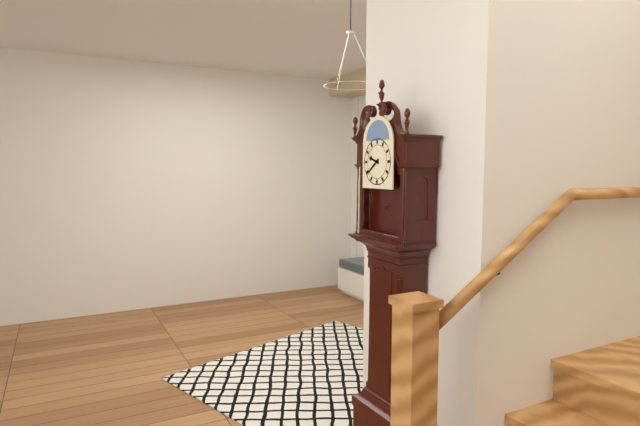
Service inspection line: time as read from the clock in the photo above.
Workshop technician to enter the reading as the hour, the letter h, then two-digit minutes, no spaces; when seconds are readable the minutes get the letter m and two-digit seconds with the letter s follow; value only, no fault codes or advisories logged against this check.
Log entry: 9h39
